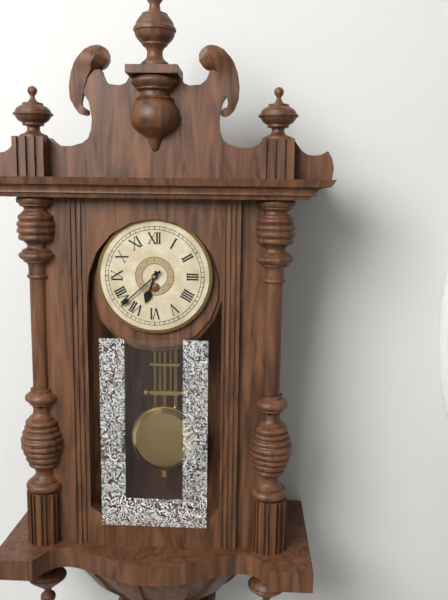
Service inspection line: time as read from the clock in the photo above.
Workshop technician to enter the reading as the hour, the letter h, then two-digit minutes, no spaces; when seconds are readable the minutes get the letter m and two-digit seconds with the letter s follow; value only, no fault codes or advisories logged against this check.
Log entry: 6h38
